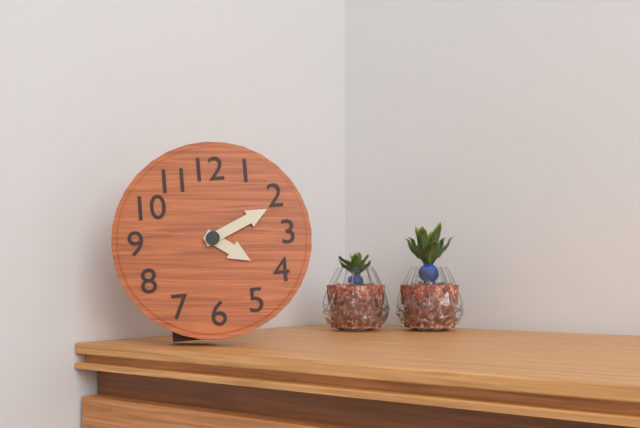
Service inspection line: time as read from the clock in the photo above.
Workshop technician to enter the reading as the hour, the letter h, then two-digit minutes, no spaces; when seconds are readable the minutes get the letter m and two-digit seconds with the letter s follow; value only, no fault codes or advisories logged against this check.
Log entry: 4h11
